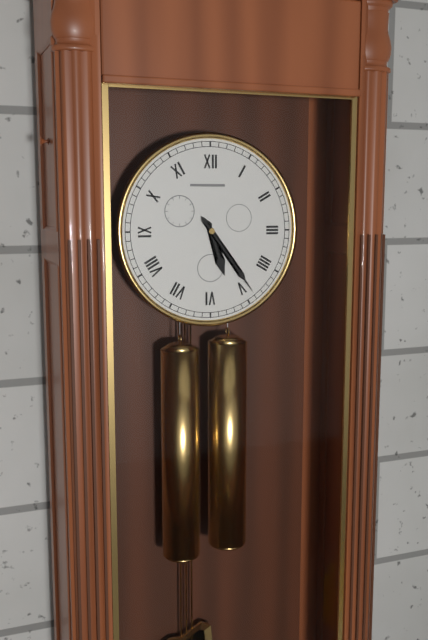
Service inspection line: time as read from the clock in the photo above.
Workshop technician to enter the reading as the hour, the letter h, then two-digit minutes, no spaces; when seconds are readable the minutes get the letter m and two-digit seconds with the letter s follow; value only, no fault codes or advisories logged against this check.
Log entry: 5h24
